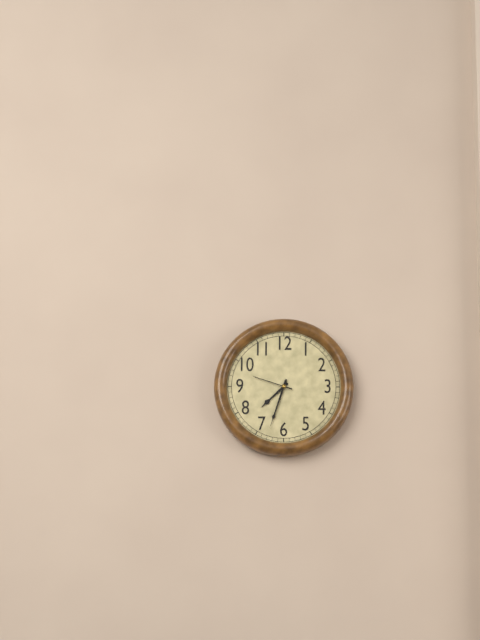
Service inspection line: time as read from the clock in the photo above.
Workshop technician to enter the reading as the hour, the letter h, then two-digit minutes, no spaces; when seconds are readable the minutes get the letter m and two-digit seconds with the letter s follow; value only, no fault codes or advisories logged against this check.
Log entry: 7h33
